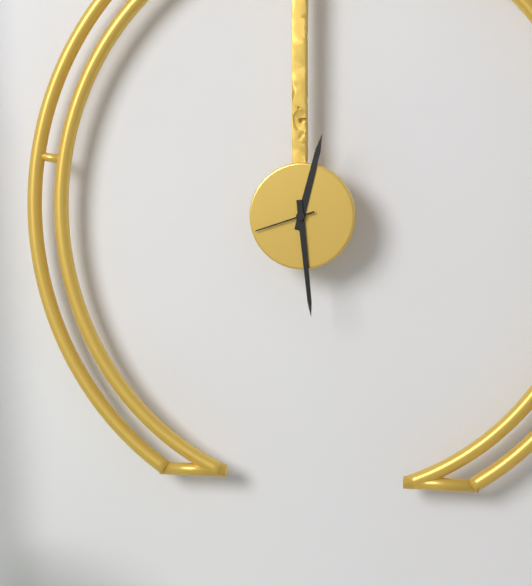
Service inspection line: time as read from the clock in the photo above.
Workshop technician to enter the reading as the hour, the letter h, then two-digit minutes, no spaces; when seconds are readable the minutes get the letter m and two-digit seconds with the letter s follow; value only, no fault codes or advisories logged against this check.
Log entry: 12h29m42s
